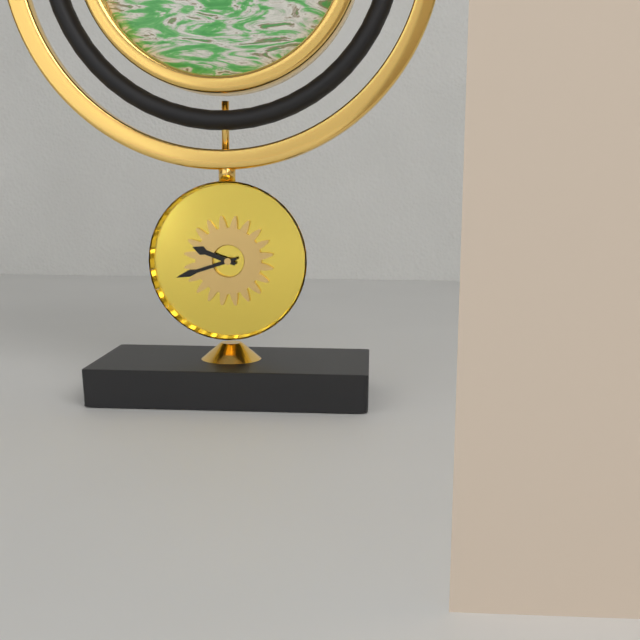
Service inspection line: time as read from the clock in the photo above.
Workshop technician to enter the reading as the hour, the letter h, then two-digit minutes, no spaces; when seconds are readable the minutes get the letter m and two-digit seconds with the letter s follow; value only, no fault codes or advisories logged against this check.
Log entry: 9h42
